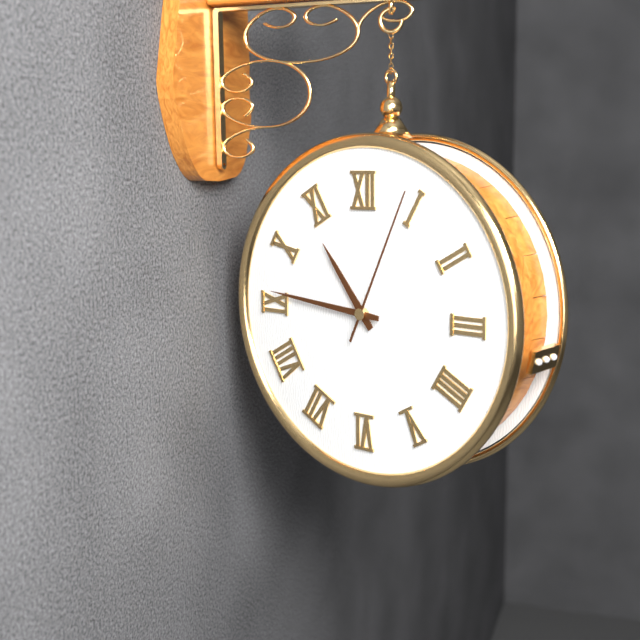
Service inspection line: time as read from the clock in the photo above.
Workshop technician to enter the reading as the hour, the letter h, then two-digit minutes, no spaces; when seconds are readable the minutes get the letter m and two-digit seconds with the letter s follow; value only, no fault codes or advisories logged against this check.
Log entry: 10h46m04s
